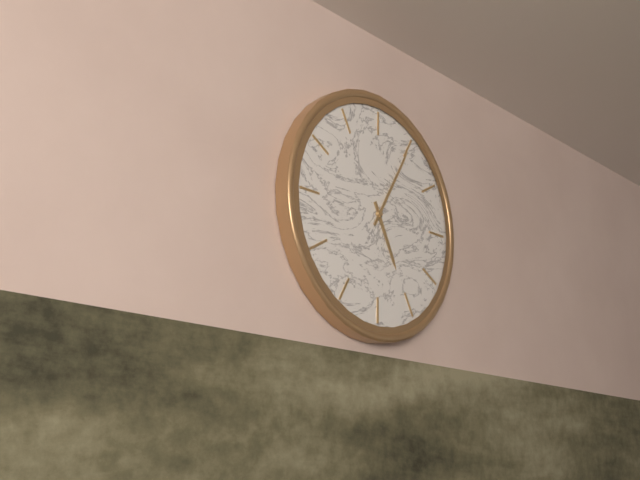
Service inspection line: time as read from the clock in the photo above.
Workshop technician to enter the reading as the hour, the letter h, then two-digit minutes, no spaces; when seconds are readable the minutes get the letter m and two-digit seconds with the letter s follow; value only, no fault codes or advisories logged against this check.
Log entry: 5h05
